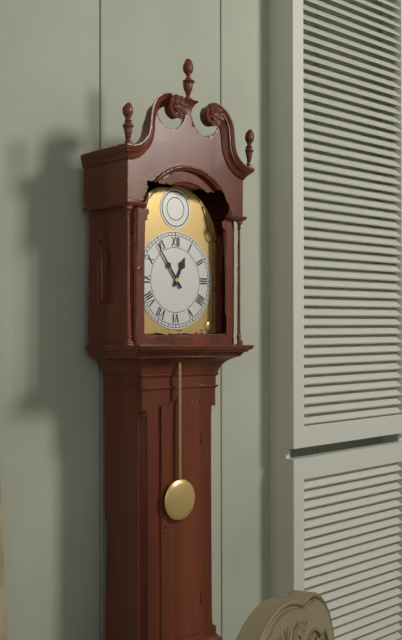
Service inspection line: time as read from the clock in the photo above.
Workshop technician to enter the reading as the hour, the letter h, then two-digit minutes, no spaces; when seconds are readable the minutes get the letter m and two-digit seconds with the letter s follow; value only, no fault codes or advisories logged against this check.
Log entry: 12h54
